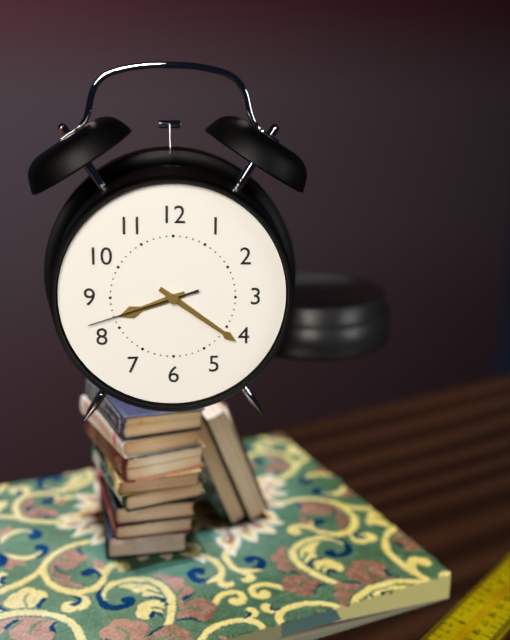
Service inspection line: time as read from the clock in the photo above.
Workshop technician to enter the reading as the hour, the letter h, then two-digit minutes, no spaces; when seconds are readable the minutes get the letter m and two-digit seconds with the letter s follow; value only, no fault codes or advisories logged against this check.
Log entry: 8h21m42s
